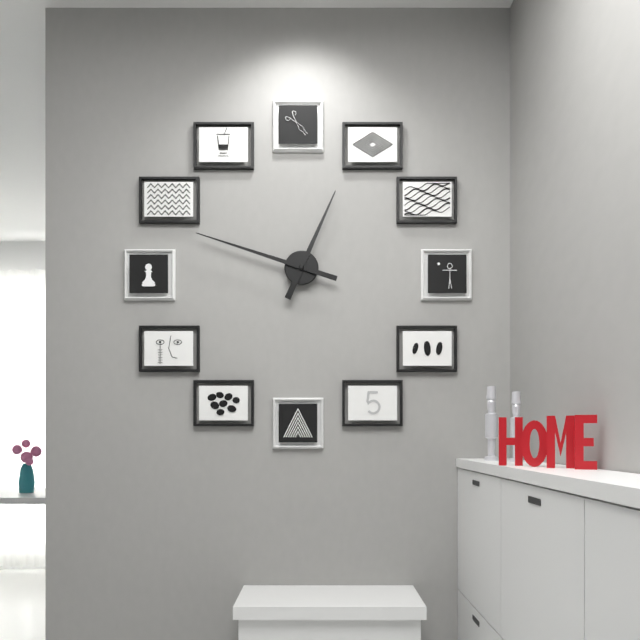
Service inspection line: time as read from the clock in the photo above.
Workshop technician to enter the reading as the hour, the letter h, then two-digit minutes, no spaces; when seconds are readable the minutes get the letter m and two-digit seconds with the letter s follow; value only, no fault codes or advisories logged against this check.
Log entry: 12h48
